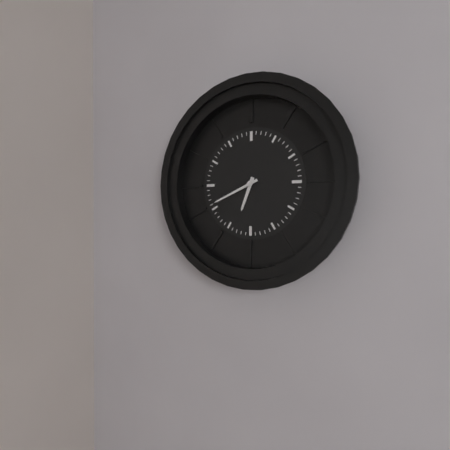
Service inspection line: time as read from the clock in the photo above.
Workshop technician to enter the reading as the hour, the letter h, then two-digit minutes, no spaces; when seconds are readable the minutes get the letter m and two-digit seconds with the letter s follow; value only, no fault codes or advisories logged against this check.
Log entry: 6h41
